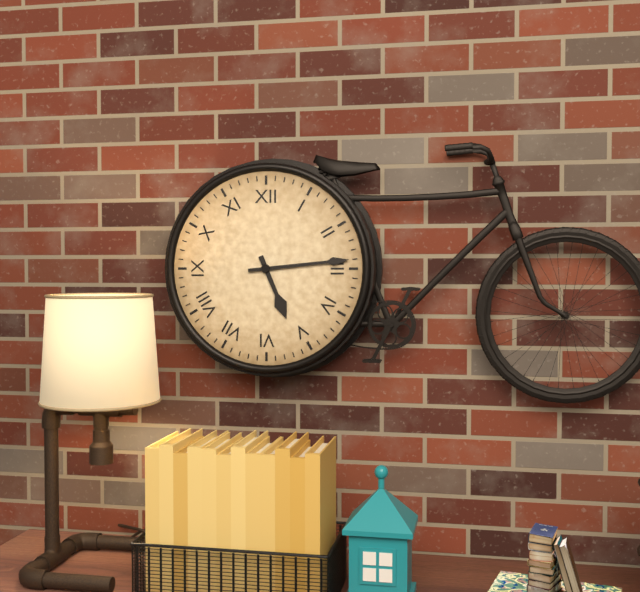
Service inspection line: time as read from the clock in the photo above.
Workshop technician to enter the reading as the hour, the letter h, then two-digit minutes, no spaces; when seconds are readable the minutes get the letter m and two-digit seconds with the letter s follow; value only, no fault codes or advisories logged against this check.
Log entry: 5h14
